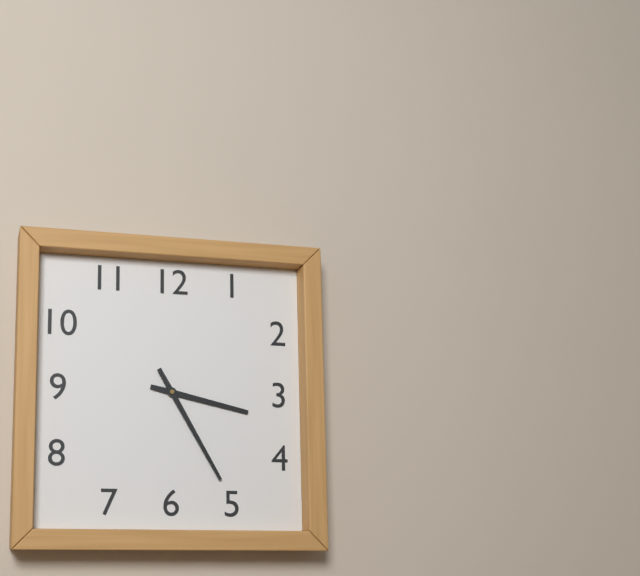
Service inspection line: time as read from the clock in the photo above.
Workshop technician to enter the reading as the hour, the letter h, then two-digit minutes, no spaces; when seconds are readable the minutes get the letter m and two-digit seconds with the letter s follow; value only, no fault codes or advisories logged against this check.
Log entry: 3h25
